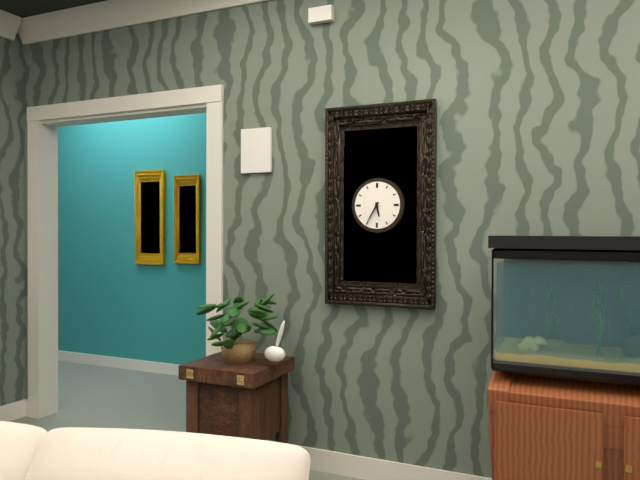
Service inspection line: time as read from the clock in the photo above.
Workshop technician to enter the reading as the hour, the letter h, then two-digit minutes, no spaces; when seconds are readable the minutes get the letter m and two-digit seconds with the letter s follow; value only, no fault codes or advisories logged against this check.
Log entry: 5h35
